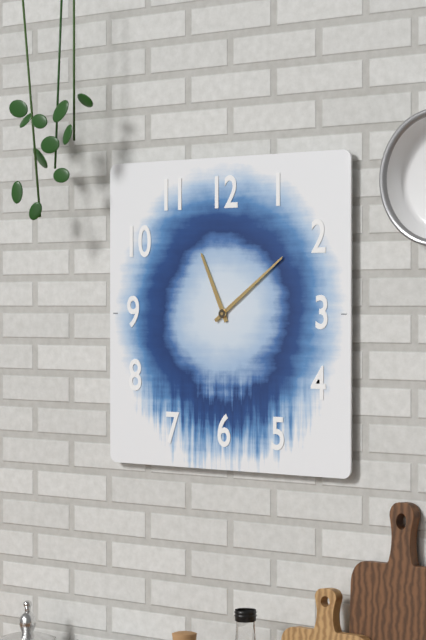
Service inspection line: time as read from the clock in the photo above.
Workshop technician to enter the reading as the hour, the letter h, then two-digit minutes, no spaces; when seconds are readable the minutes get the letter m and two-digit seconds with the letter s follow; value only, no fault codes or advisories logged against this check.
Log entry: 11h09
